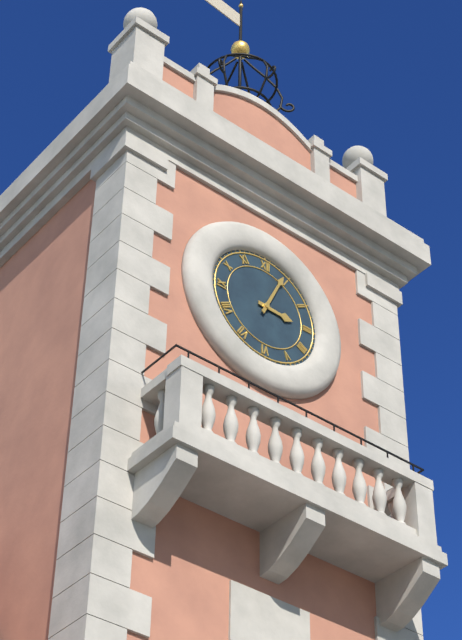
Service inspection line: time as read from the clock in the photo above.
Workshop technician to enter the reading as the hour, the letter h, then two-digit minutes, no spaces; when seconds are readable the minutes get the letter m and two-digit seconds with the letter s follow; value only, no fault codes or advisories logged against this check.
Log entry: 3h04
